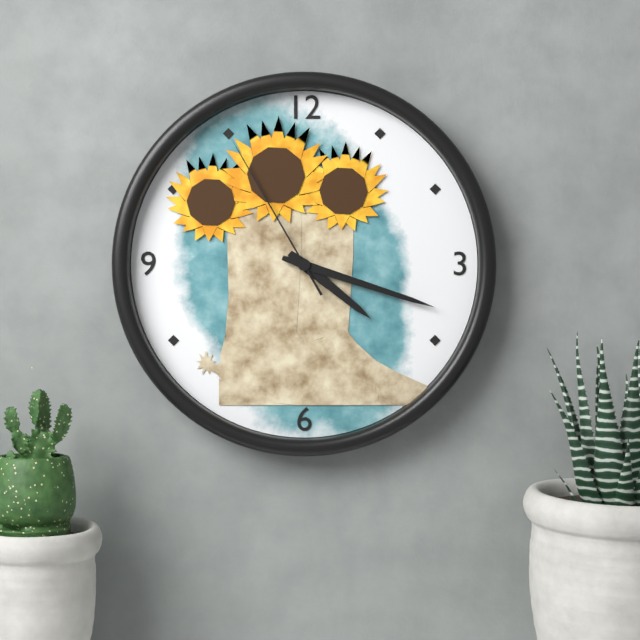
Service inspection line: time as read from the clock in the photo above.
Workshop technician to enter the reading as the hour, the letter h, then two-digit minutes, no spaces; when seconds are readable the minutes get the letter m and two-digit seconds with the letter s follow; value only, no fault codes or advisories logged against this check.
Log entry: 4h18m55s
